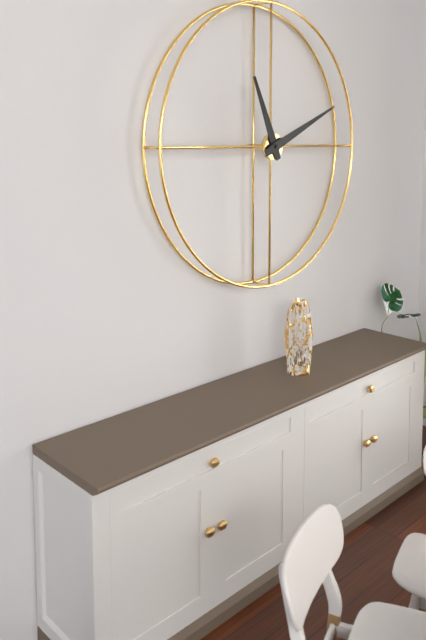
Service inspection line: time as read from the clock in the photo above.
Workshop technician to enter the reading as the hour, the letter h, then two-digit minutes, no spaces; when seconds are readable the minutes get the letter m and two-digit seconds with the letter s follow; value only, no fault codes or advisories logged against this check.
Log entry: 11h11
